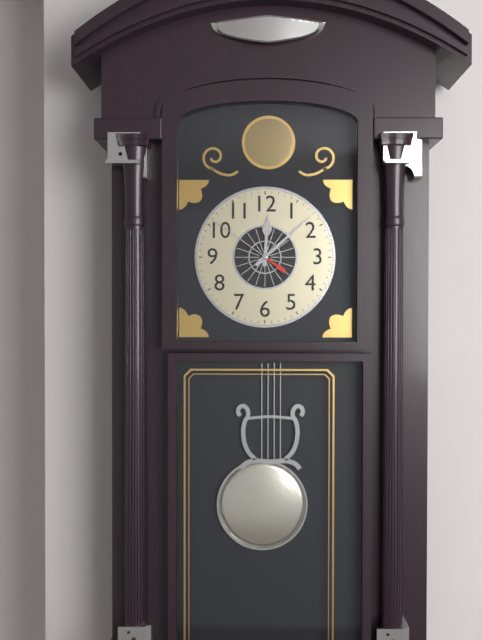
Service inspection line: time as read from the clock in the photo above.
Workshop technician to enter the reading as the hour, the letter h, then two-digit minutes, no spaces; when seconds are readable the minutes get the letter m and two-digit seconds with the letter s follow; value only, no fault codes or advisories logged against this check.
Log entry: 12h08m51s
